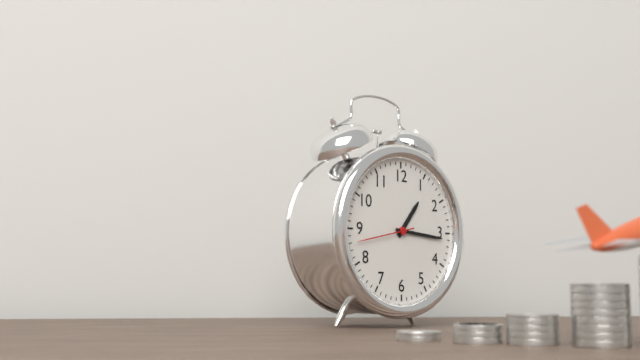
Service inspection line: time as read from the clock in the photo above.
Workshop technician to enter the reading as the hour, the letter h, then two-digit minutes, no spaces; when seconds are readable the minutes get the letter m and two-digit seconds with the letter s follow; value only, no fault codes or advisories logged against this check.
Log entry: 1h16m43s
